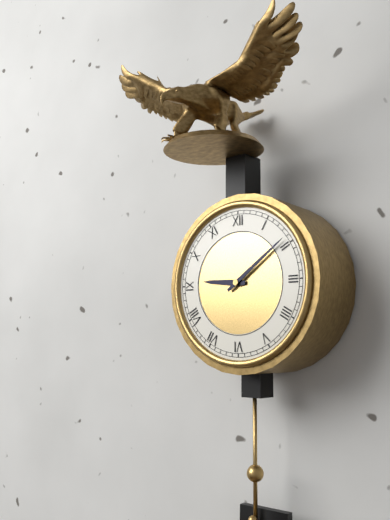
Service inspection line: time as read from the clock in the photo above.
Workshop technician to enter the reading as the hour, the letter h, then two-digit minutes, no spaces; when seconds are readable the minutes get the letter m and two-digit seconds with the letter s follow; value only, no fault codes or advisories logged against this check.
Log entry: 9h09
